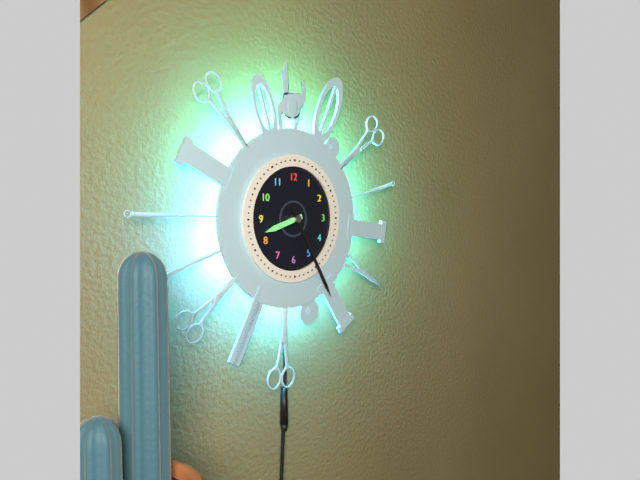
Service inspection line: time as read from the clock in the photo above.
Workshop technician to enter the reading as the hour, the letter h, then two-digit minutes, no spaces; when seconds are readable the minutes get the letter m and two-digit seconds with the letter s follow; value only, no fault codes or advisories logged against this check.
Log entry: 8h25
